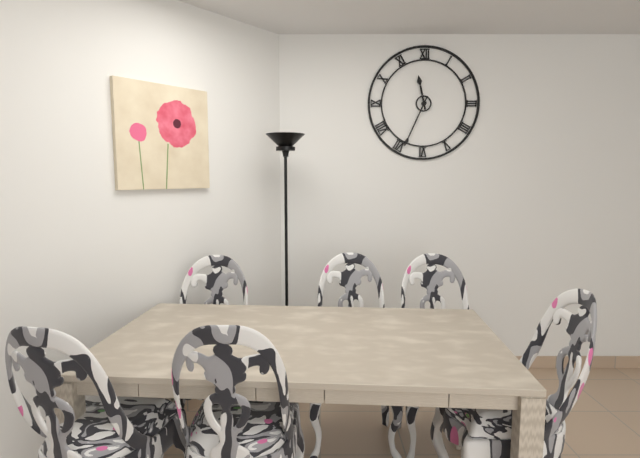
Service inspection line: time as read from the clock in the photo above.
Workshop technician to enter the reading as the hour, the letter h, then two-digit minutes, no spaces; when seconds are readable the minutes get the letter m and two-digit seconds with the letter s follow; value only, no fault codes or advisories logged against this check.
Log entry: 11h34
